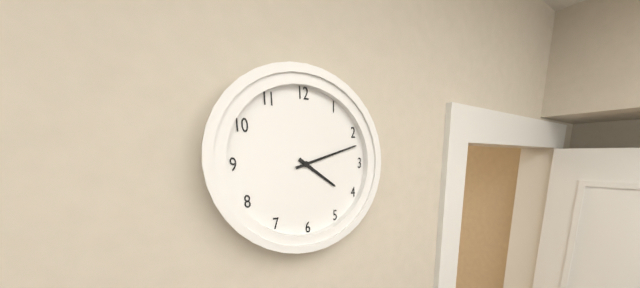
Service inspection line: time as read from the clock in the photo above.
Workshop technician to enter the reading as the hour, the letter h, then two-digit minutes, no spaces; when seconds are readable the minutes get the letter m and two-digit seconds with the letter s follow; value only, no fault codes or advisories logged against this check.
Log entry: 4h12
